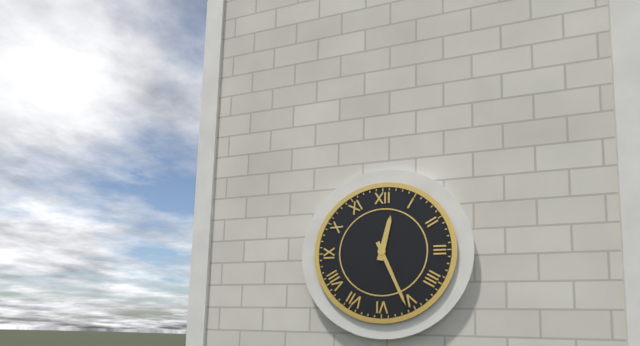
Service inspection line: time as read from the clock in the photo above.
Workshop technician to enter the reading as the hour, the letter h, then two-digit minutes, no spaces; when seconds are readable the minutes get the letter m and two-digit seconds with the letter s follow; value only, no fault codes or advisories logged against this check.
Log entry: 12h26
